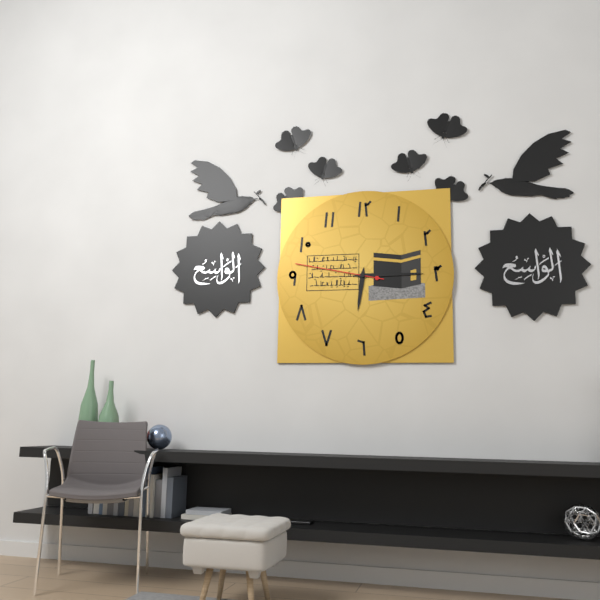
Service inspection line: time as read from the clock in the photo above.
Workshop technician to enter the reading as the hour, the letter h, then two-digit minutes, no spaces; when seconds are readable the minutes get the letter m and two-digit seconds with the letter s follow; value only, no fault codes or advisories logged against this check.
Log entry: 6h15m47s
